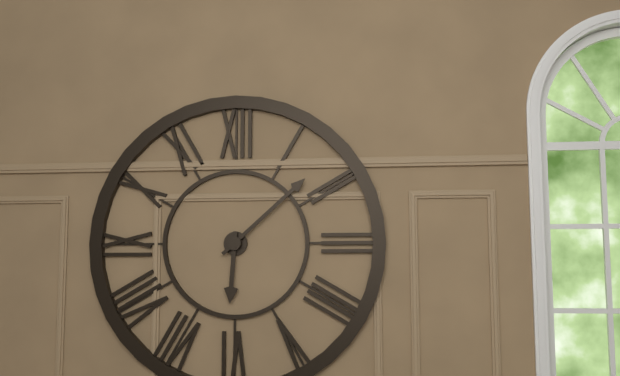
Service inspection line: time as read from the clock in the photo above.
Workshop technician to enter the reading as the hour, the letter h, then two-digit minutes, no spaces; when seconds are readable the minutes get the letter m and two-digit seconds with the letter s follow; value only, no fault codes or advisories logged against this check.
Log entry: 6h08
